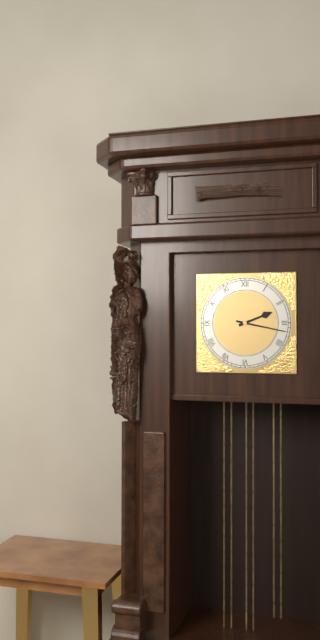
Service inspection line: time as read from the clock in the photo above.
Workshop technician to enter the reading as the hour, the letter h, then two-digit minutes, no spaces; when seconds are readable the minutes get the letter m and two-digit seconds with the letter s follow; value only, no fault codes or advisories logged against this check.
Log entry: 2h17
